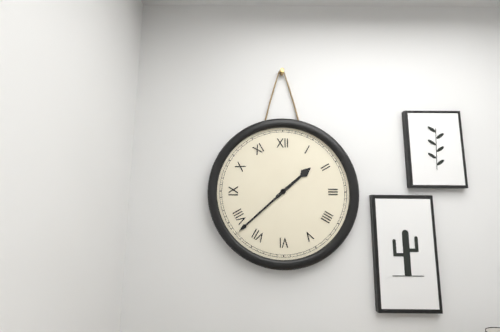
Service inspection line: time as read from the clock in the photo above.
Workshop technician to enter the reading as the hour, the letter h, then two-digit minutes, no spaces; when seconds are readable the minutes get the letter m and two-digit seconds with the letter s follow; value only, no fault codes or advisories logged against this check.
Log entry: 1h38
